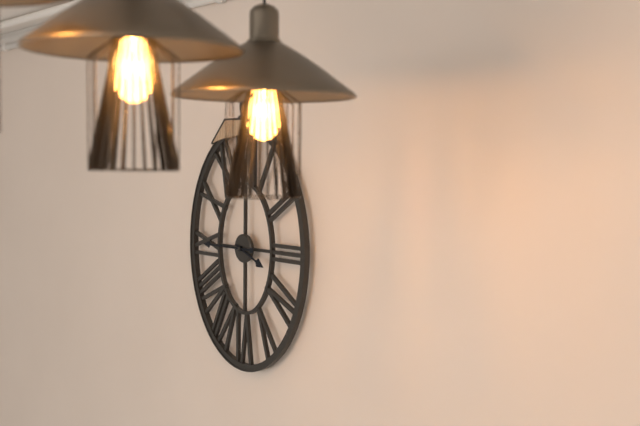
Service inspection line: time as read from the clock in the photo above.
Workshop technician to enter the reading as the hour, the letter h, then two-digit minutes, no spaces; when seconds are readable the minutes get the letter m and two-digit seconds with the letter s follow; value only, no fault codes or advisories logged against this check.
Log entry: 3h45
